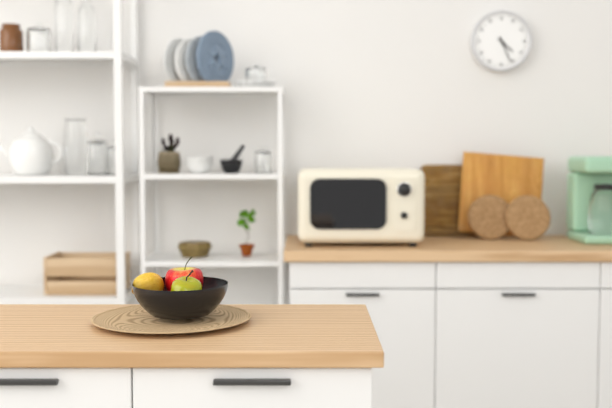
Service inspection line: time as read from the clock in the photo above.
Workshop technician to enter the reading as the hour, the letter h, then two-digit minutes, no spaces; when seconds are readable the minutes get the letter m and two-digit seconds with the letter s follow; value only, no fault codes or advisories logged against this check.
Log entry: 4h26
